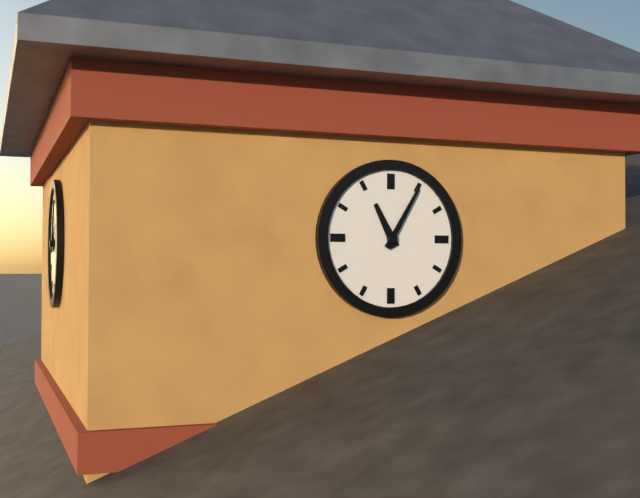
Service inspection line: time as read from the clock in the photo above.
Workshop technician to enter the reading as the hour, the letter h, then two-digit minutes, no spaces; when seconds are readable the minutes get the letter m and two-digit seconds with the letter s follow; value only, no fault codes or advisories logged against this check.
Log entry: 11h05
